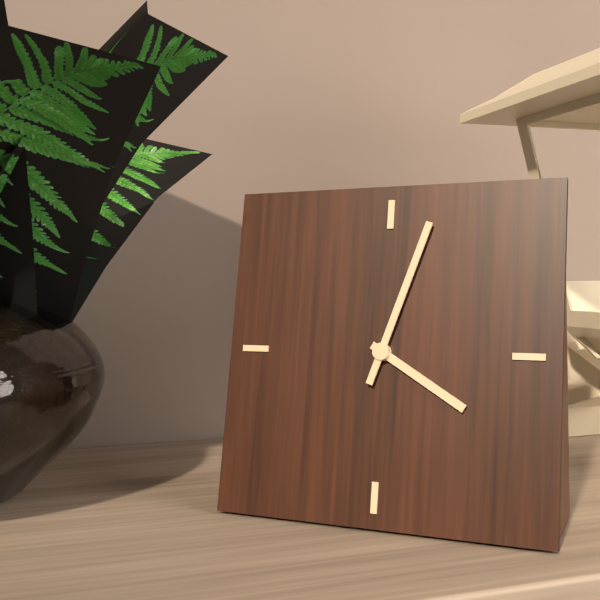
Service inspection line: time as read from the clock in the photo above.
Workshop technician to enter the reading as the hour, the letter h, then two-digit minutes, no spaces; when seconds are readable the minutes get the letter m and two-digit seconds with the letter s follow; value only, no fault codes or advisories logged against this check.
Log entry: 4h03
